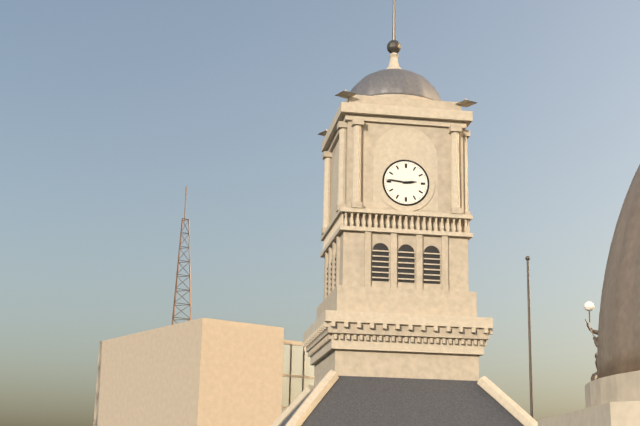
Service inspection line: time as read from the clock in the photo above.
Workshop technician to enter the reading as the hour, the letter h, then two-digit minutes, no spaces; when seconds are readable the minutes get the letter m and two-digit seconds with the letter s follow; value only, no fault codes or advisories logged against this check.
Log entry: 2h46
